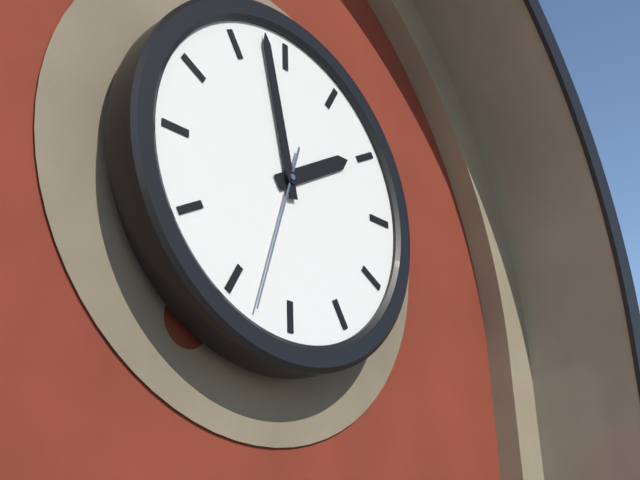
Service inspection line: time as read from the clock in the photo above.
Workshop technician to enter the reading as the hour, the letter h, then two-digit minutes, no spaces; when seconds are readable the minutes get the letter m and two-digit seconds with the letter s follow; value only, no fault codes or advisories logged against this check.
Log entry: 1h58m33s
